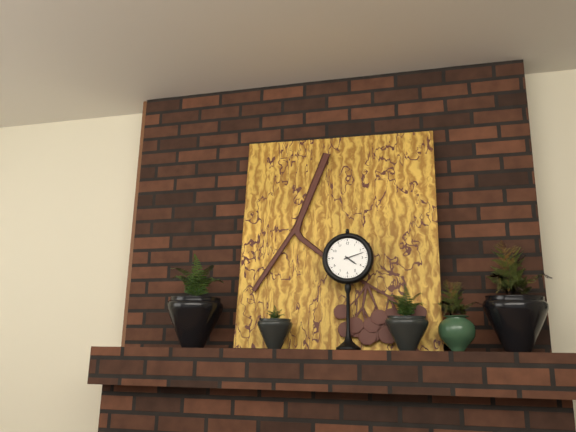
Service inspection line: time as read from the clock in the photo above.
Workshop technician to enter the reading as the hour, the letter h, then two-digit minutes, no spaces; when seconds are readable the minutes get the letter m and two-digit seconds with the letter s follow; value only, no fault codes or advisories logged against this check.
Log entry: 4h12
